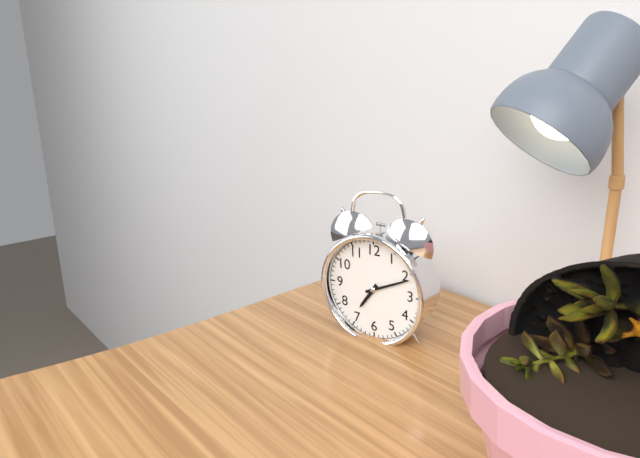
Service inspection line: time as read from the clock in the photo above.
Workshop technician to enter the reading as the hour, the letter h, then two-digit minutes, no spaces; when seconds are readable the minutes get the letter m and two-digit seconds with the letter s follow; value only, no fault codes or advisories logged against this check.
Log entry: 7h11
